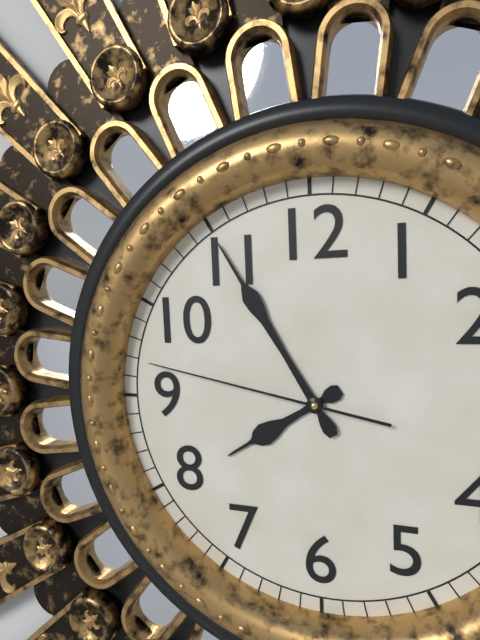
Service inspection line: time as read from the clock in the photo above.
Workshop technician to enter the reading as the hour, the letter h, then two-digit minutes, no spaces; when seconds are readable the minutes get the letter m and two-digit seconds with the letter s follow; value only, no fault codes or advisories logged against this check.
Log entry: 7h55m47s
